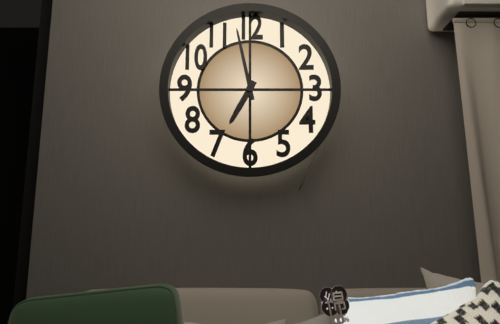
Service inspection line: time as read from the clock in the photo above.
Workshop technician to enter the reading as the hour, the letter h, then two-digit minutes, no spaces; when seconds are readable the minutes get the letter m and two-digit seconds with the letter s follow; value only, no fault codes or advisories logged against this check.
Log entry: 6h58
